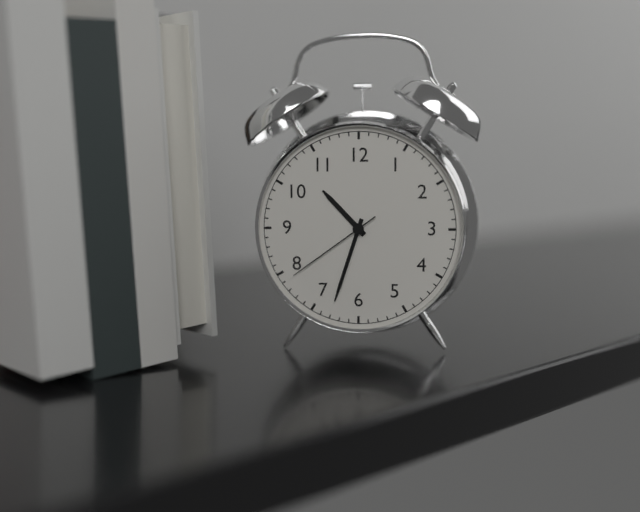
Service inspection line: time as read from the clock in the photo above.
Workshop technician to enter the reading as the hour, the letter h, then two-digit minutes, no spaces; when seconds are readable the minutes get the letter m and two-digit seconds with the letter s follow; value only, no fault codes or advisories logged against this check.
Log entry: 10h33m39s
